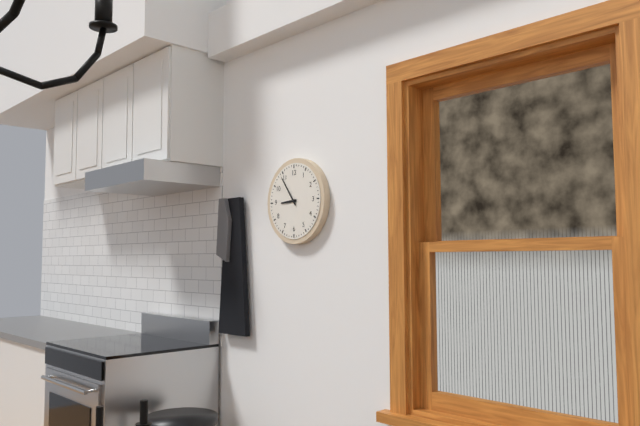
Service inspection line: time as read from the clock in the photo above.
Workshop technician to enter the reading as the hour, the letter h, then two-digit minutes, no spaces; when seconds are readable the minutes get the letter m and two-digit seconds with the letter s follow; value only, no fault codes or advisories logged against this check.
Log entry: 8h54
